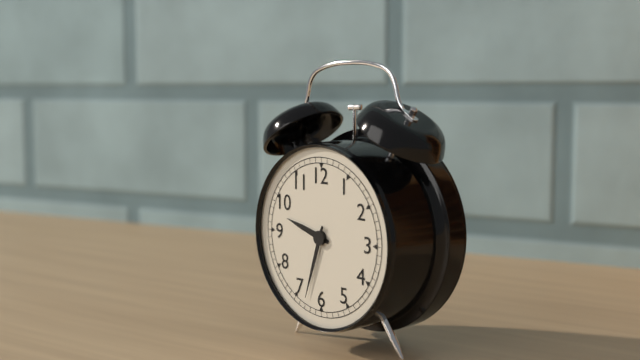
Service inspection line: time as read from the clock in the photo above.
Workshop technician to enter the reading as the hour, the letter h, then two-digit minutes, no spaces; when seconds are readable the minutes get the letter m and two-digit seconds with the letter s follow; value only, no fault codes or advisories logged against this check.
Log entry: 9h33
